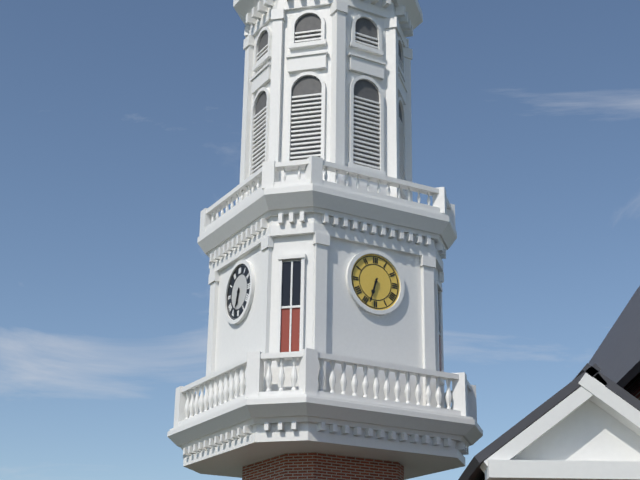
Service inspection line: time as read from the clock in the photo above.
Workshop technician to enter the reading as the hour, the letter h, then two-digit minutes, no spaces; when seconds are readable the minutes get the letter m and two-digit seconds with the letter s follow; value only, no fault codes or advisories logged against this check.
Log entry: 6h33
